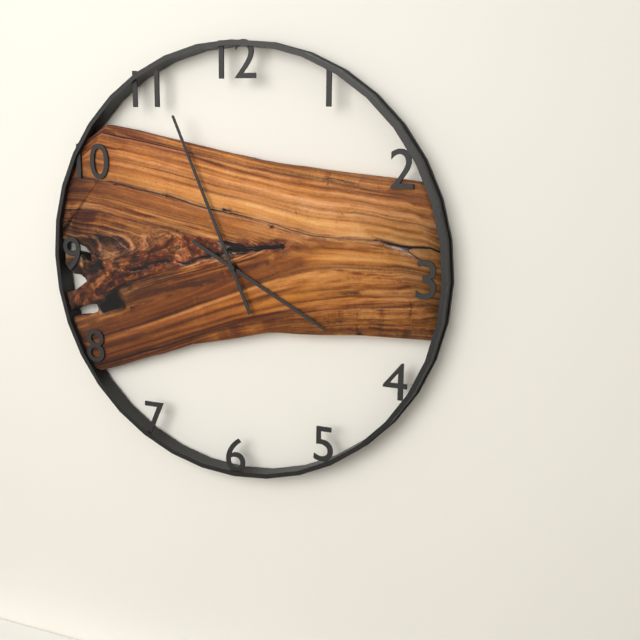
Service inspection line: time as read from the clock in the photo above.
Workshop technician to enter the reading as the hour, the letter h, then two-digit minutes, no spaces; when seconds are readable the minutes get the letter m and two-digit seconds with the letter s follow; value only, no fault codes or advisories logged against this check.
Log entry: 3h56
